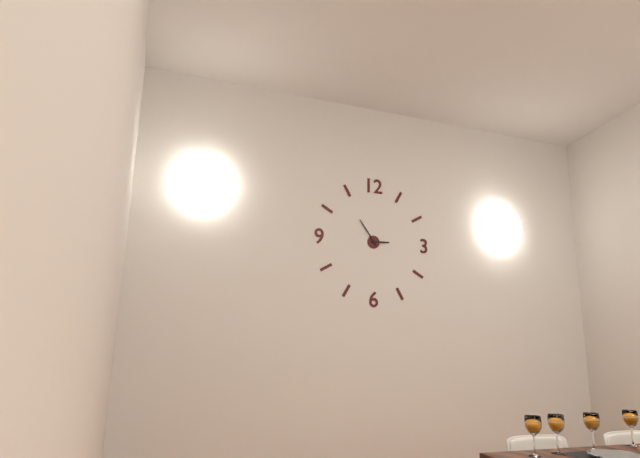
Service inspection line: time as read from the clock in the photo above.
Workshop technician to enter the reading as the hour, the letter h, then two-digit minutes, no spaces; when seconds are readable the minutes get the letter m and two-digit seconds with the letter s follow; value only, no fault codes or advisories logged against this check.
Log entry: 2h54
